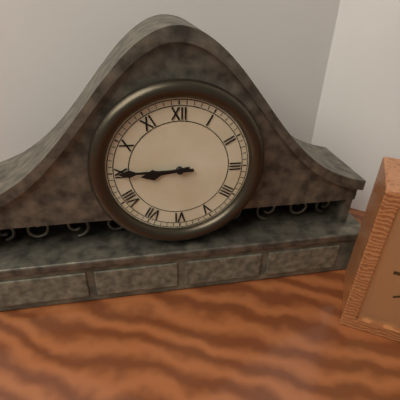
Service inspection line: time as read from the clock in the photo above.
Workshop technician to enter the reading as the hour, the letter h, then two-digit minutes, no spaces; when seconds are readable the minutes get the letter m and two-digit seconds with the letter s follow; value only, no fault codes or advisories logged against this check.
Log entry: 8h45
